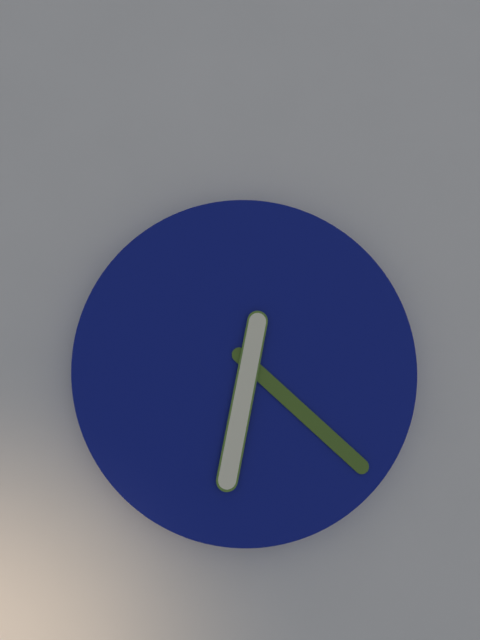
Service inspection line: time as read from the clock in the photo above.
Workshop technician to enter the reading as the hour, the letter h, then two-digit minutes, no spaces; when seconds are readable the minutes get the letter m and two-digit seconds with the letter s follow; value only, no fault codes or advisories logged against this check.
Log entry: 6h22
